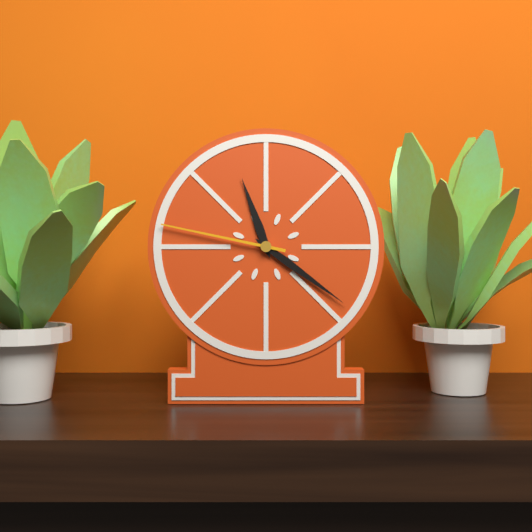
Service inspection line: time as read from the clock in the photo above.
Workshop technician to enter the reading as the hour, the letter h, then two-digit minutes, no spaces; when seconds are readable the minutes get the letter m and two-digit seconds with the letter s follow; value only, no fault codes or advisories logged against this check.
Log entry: 11h21m47s
